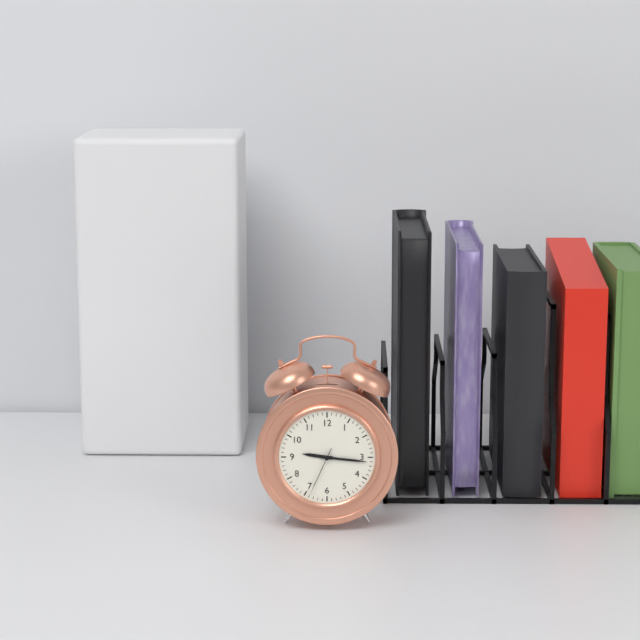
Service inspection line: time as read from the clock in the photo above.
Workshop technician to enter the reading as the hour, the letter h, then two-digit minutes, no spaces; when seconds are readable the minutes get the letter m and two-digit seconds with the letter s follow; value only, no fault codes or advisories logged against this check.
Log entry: 9h16m34s
